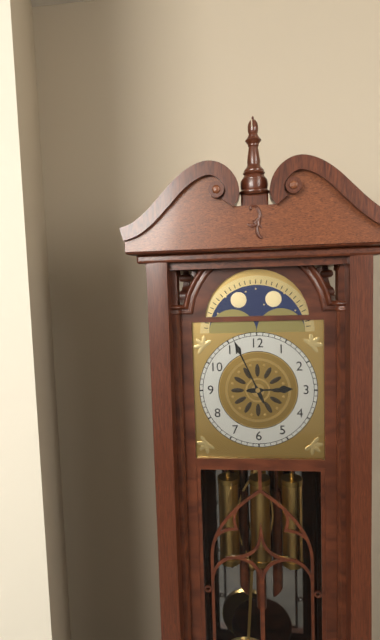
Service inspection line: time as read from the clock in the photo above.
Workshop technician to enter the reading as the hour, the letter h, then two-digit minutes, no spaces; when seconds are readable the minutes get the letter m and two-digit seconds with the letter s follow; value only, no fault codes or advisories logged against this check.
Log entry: 2h56
